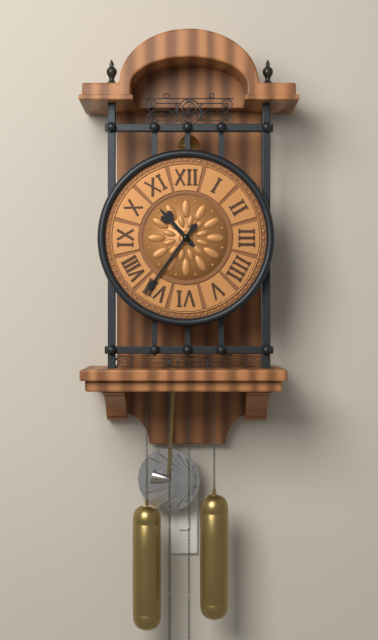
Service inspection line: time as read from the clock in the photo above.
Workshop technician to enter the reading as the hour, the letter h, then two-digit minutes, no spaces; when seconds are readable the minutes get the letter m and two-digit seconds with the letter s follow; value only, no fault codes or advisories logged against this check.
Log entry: 10h36
